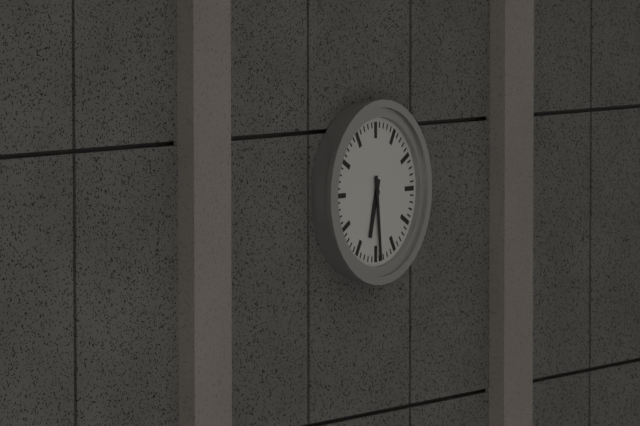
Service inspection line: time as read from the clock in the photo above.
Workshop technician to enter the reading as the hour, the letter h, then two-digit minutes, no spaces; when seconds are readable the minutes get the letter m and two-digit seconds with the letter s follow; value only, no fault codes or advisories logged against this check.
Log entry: 6h29
